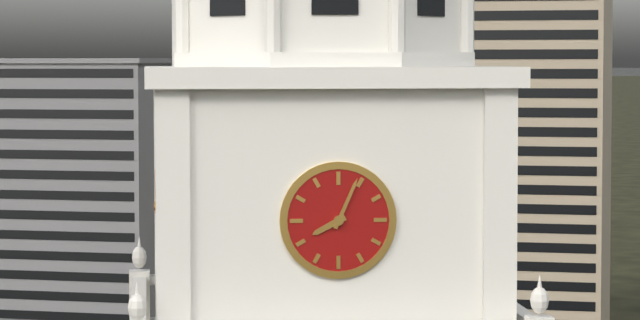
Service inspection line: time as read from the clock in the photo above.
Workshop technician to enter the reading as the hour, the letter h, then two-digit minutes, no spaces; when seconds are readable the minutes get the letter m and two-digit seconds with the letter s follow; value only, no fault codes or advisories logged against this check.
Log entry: 8h04
